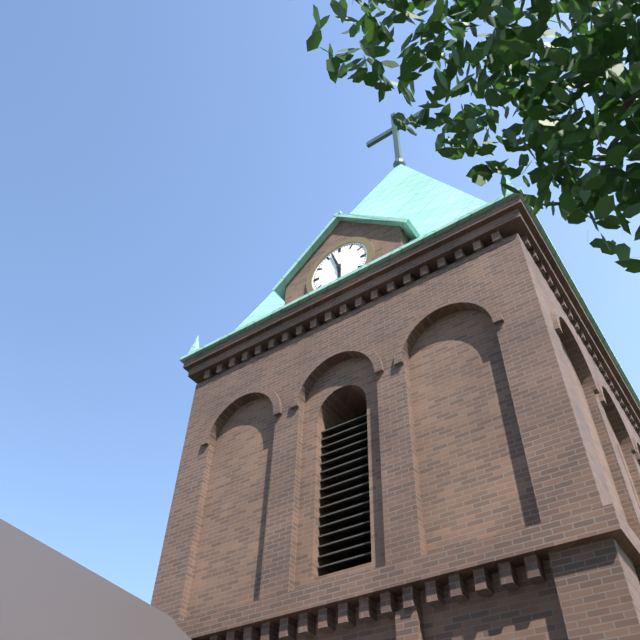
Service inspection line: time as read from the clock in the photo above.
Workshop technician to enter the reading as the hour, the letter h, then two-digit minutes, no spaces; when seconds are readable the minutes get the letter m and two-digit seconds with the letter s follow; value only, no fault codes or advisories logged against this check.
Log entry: 5h57
